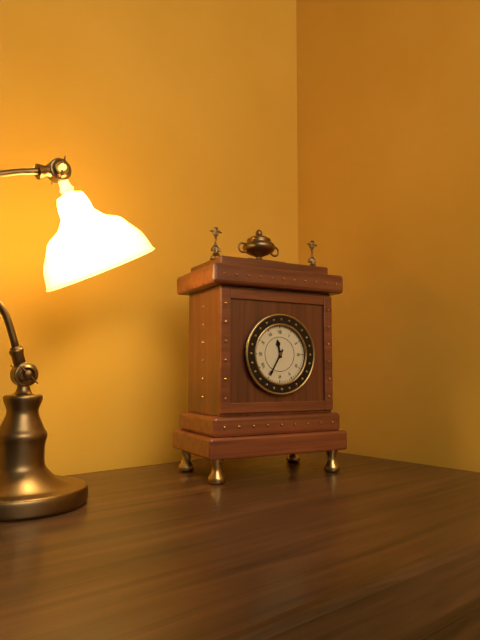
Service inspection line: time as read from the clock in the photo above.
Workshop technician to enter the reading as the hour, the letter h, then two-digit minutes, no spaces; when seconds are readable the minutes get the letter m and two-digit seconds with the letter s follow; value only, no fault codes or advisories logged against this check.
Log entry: 11h35
